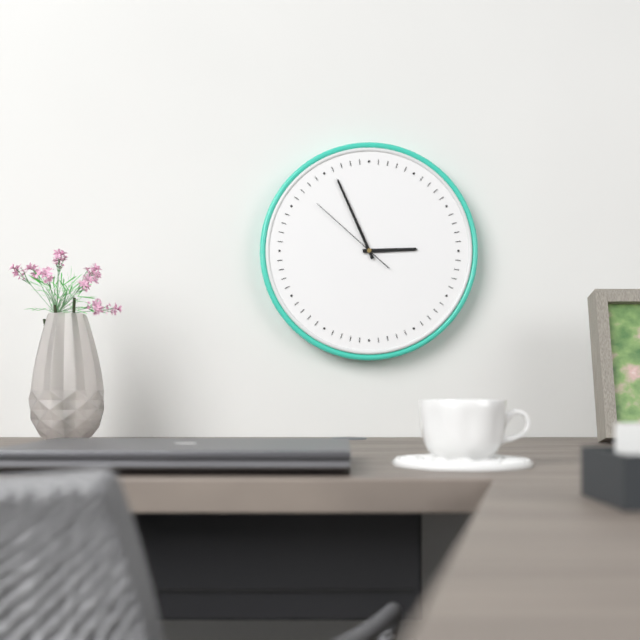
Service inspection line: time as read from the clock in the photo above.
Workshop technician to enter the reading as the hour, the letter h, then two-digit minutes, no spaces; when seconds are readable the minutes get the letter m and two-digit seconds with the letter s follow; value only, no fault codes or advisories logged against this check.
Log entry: 2h56m52s
